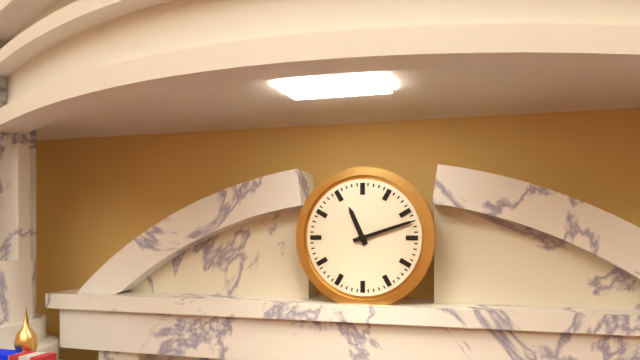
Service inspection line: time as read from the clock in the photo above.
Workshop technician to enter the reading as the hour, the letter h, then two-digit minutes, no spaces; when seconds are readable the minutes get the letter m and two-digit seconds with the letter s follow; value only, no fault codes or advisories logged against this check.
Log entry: 11h12
